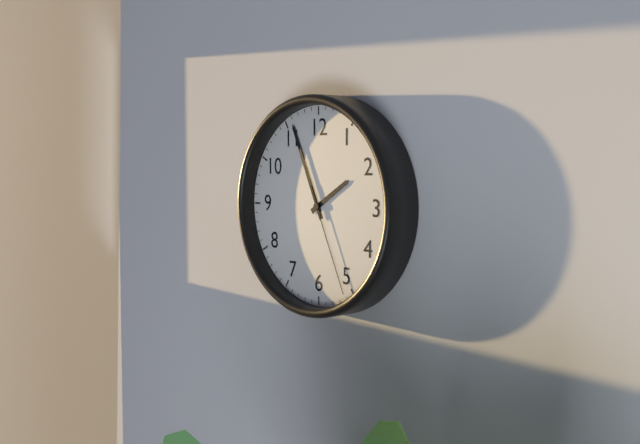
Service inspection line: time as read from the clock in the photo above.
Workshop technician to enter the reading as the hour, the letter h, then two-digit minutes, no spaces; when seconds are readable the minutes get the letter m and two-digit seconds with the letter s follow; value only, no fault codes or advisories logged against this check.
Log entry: 1h56m26s
